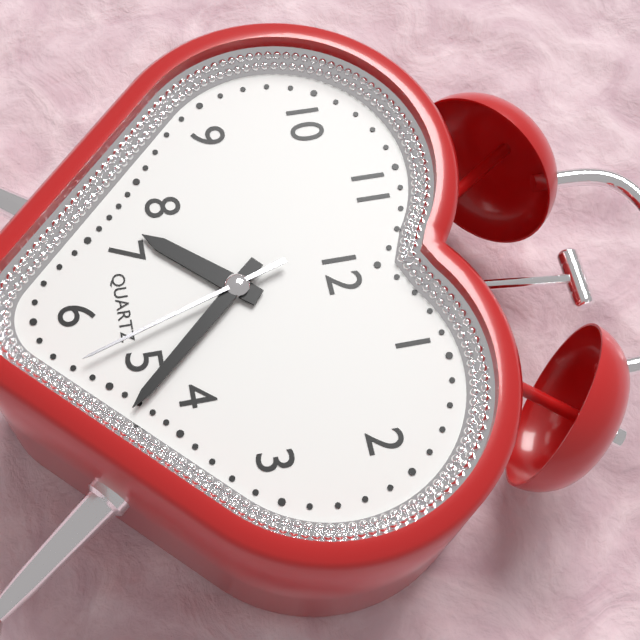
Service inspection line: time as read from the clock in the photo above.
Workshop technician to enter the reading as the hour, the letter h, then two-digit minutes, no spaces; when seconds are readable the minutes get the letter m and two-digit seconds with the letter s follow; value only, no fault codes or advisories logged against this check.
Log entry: 7h23m27s
